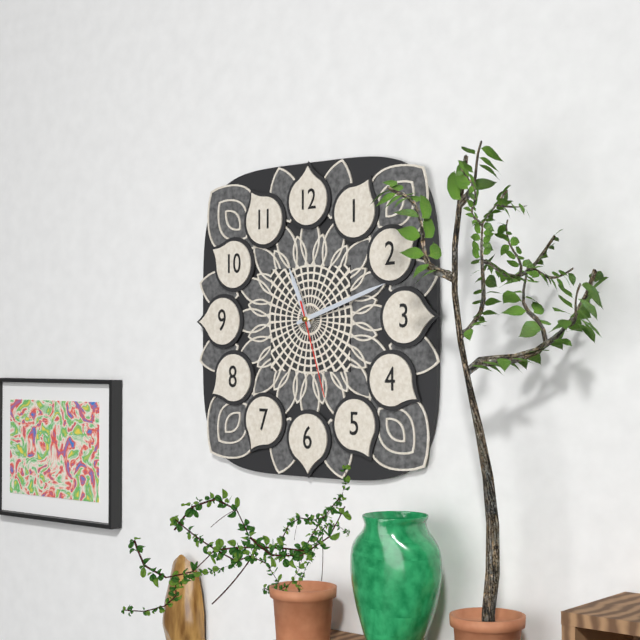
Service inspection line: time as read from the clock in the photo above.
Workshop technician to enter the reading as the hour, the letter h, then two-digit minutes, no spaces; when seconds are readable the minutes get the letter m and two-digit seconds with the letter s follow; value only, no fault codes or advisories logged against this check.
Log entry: 11h12m27s
